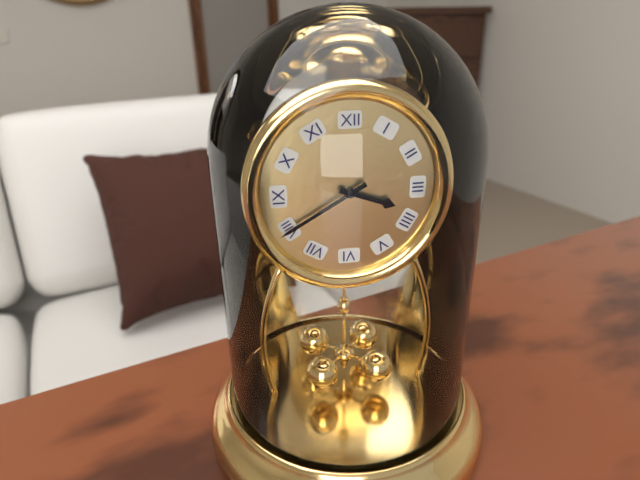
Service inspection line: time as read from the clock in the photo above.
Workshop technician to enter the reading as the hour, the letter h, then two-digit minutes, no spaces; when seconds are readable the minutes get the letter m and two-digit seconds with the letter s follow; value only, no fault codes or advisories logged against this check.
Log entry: 3h40
